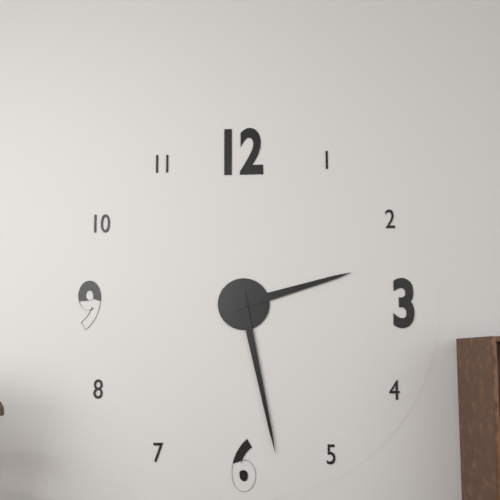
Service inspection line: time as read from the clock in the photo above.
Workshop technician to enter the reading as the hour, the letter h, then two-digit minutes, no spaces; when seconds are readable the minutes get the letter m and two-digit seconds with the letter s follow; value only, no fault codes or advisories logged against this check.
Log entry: 2h28
